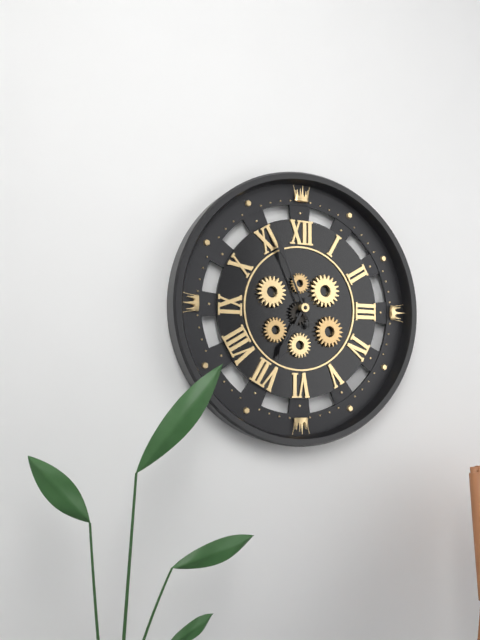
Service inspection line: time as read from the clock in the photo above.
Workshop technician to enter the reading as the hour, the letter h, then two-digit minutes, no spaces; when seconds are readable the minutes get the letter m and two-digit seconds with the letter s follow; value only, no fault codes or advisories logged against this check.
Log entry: 6h56
